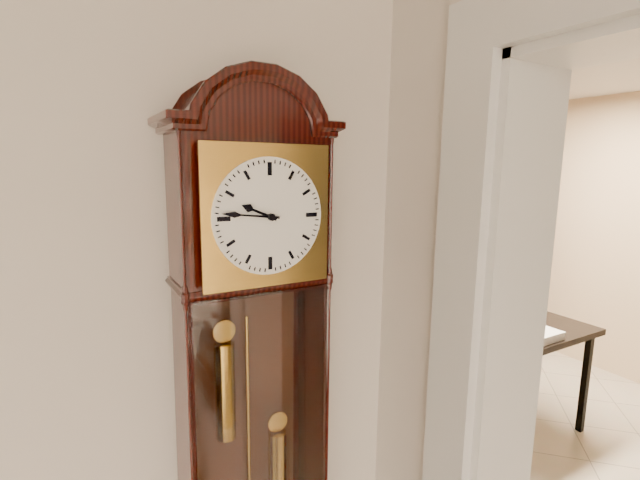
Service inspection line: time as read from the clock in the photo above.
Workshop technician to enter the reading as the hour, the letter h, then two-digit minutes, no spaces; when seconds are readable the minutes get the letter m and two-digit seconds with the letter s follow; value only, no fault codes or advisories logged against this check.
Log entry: 9h46
